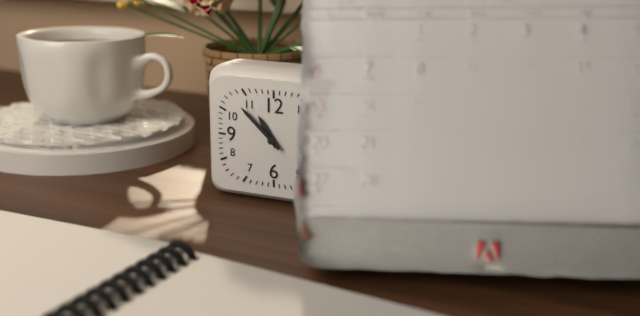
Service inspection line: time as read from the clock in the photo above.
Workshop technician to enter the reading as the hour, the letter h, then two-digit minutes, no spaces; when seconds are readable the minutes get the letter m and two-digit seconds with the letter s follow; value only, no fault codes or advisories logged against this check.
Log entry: 10h52
